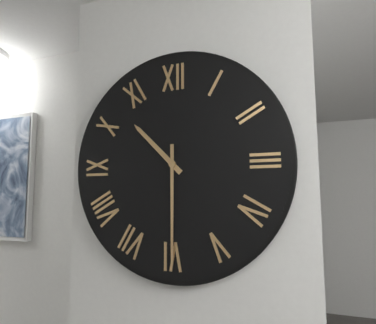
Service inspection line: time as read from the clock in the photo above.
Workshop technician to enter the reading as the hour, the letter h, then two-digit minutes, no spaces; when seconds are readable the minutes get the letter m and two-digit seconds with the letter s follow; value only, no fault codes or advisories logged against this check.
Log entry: 10h30
